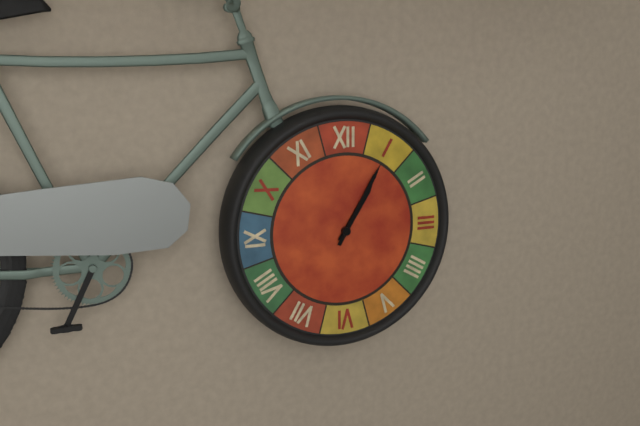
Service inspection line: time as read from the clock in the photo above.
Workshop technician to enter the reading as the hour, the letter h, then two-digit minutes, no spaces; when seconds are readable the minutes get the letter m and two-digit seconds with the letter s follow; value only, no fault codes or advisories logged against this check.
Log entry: 1h05
